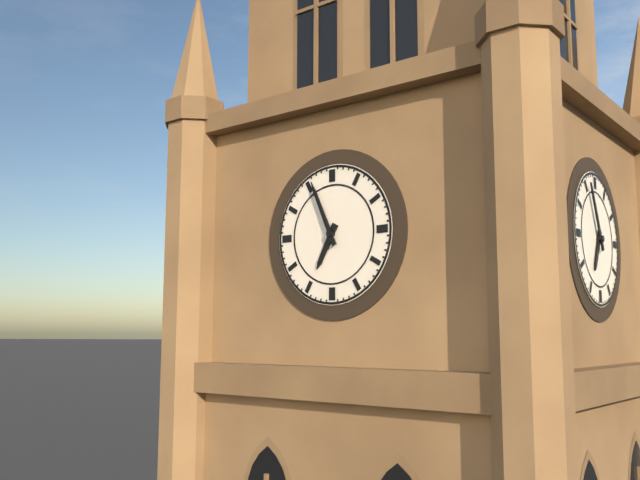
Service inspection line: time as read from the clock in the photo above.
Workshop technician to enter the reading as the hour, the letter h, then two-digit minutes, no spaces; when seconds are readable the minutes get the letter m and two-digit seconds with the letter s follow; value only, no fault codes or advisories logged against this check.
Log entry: 6h56
